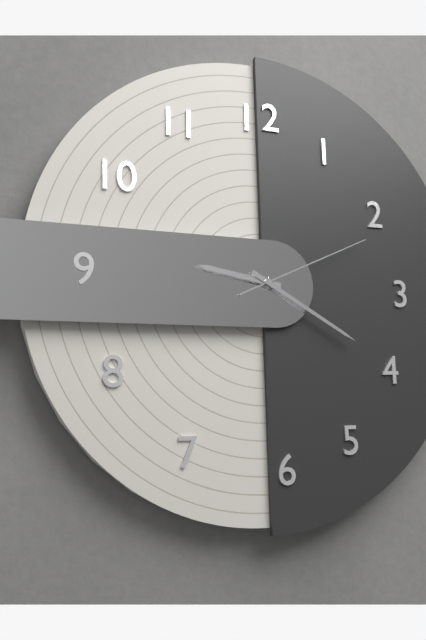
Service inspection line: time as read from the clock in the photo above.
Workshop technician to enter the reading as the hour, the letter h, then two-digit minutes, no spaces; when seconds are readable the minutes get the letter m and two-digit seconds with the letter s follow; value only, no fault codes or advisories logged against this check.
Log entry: 9h20m11s
